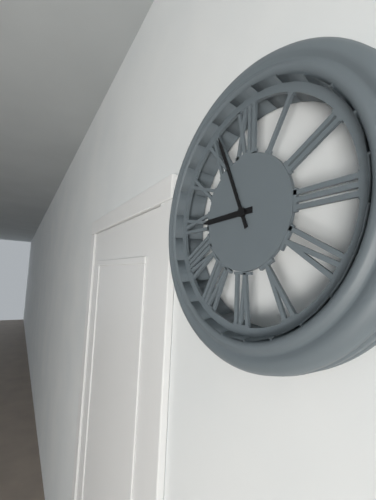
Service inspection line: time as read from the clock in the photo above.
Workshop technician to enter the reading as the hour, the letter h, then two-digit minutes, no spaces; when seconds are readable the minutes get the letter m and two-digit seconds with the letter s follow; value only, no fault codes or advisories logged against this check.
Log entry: 8h56
